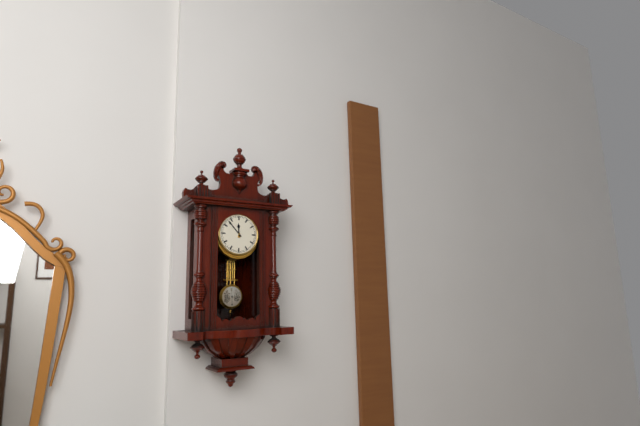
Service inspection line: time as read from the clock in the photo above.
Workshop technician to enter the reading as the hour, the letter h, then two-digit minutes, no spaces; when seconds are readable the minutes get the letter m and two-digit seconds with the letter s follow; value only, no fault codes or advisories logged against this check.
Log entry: 11h53
